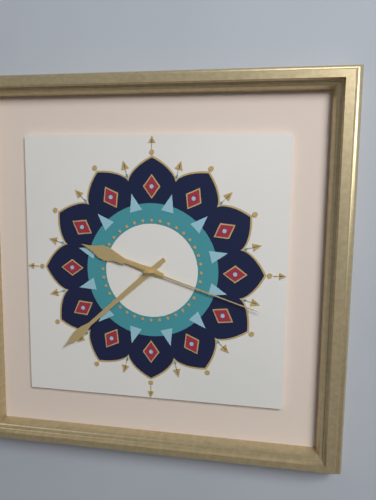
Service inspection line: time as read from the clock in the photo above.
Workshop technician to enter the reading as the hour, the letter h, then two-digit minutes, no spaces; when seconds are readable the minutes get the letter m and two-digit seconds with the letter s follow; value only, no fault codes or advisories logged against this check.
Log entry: 9h38m18s
